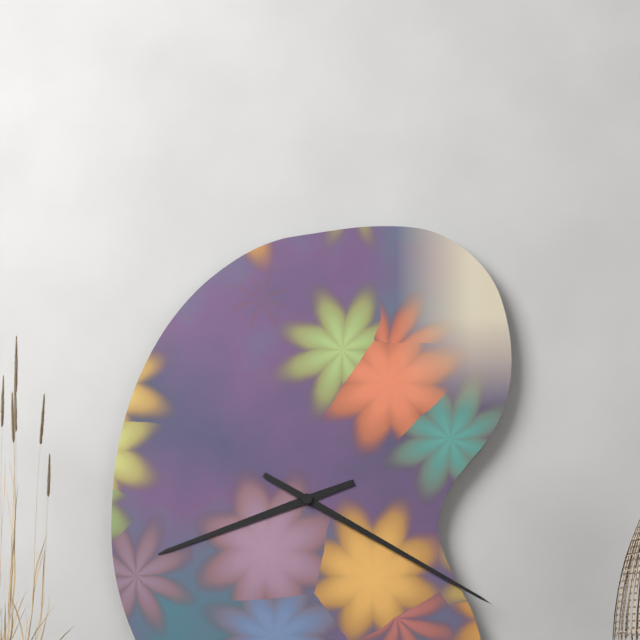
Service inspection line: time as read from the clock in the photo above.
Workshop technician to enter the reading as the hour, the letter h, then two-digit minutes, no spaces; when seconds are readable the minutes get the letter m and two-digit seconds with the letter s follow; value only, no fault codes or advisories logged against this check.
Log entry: 8h20
